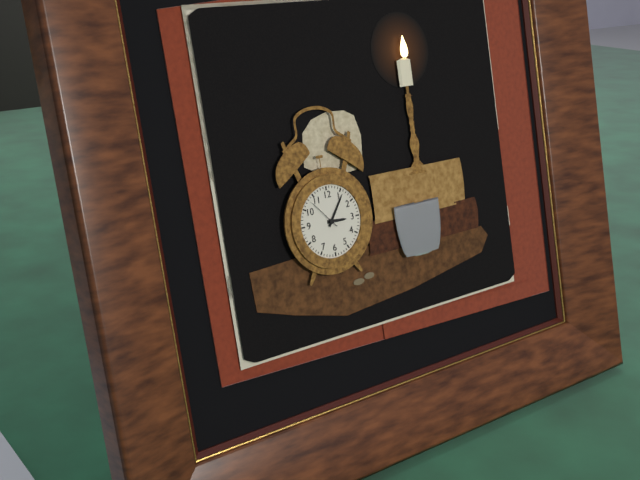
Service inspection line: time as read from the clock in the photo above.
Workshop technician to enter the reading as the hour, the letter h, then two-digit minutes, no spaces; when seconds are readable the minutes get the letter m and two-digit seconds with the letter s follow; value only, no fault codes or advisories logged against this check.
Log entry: 3h06
